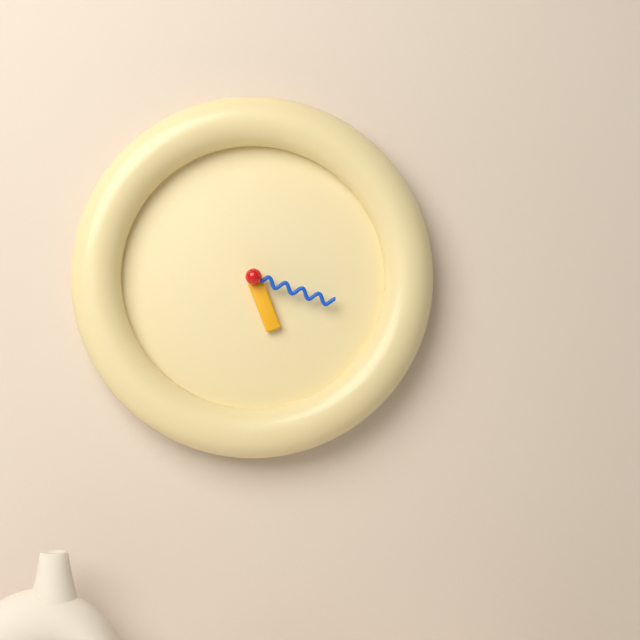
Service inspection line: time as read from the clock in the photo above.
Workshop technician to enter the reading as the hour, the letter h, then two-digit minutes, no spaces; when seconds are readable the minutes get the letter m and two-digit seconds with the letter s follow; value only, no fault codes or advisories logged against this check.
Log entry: 5h18
